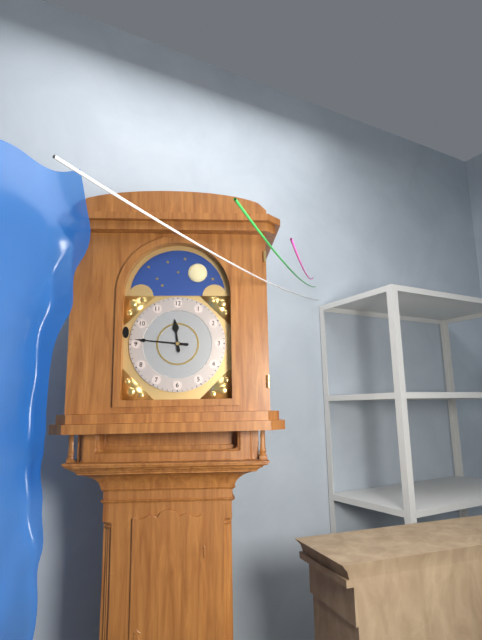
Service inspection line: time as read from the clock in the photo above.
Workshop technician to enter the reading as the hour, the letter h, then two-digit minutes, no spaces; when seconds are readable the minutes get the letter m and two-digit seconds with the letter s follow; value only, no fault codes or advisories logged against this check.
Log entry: 11h46
